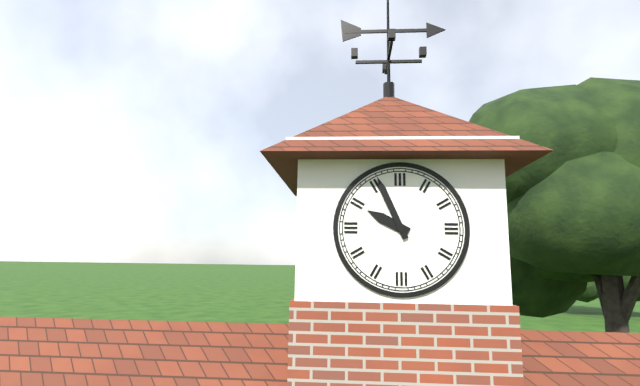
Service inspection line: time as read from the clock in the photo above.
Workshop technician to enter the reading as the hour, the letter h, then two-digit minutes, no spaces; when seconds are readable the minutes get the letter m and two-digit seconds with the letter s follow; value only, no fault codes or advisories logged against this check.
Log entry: 9h56
